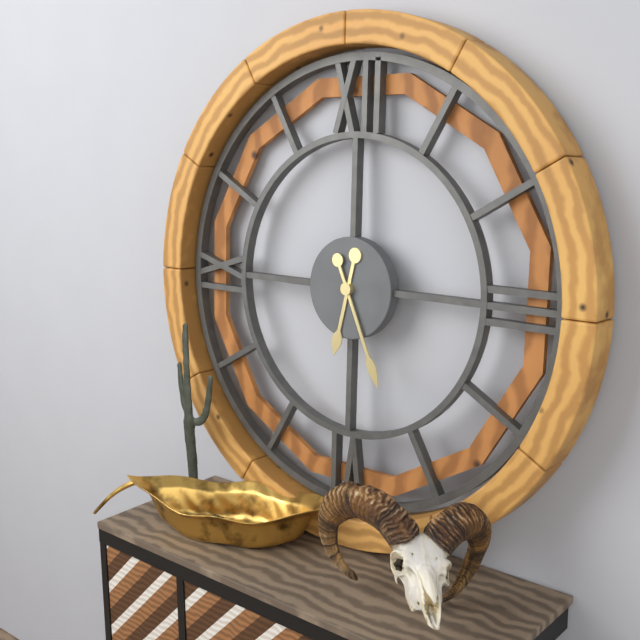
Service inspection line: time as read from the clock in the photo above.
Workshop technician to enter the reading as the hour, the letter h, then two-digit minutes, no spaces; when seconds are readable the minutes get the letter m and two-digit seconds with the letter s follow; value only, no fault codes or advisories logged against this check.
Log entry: 6h26
